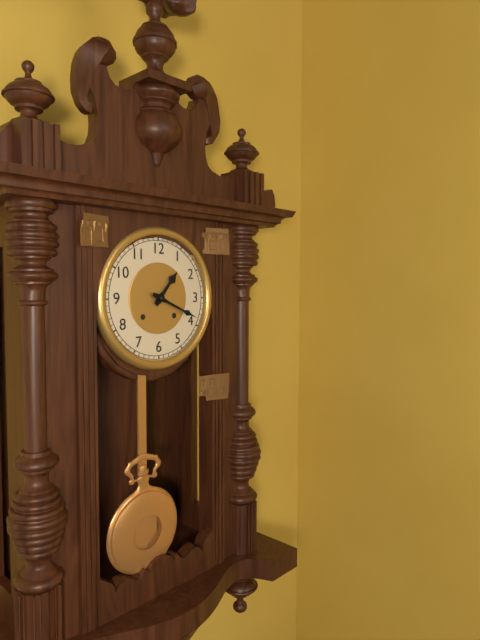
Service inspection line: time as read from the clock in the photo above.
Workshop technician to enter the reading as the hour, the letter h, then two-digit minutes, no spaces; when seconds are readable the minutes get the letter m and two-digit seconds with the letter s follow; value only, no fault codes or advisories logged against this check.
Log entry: 1h19
